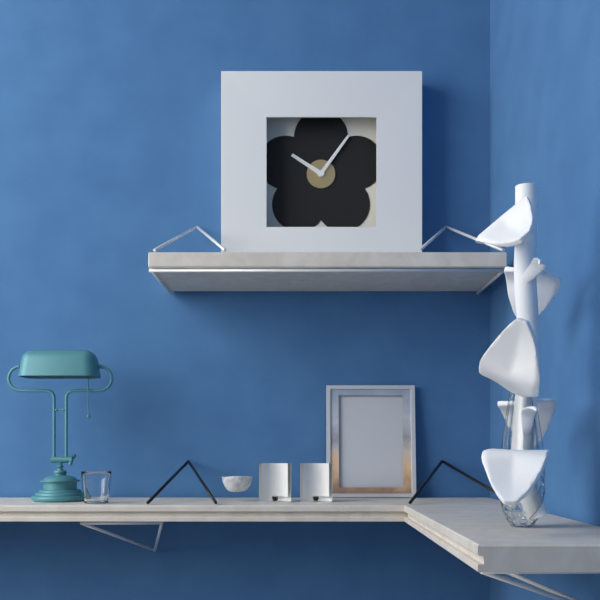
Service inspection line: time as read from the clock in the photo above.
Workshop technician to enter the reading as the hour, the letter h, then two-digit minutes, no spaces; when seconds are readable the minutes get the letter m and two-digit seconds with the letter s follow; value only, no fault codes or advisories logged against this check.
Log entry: 10h06
